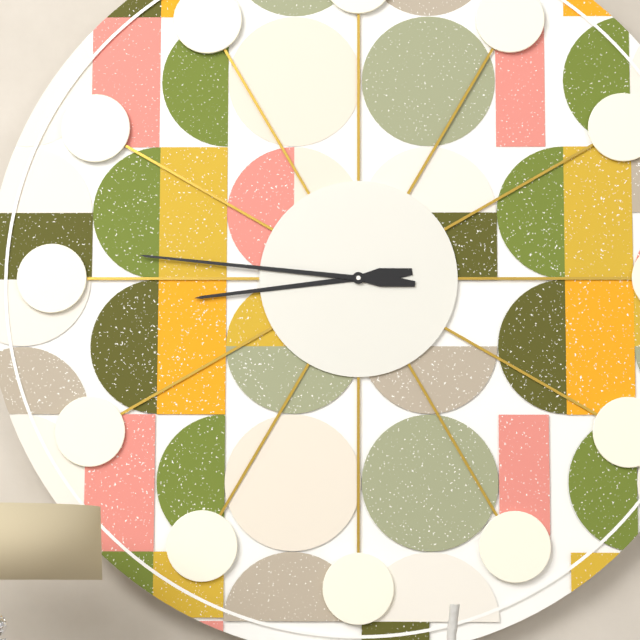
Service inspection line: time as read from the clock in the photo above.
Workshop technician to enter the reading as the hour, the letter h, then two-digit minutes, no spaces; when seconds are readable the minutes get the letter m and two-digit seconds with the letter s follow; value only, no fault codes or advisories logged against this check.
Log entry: 8h46
